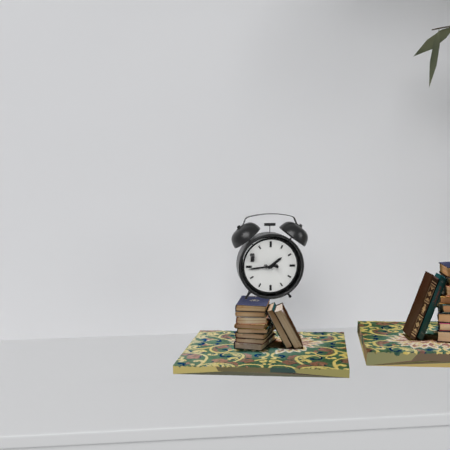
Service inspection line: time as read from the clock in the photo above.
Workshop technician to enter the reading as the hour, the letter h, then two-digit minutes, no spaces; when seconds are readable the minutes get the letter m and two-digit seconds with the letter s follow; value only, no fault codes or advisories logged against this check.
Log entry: 1h44
